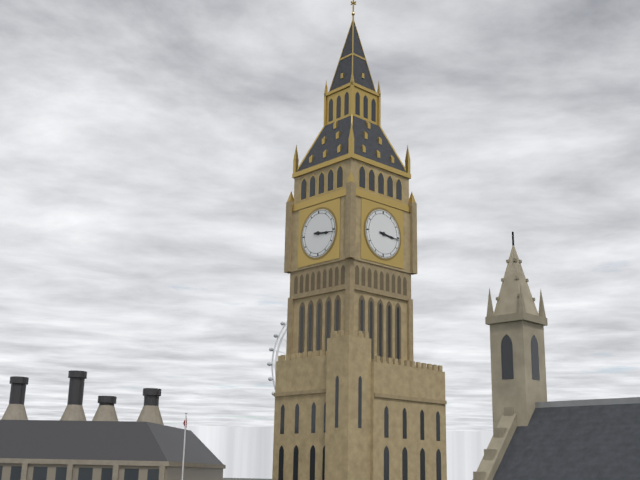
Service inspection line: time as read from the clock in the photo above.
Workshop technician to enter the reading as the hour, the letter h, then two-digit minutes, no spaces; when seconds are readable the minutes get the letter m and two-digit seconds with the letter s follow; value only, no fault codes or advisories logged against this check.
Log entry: 3h16
